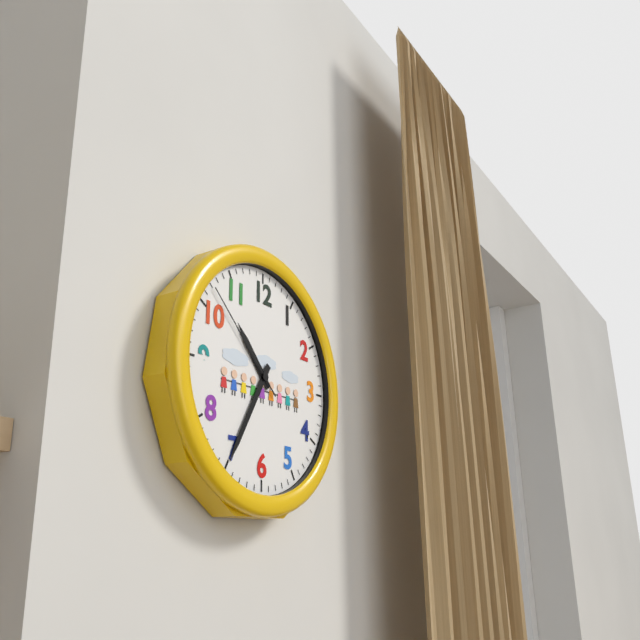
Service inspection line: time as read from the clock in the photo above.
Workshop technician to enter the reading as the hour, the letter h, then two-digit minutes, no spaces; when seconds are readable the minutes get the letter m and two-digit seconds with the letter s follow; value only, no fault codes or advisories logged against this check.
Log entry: 10h35m52s
